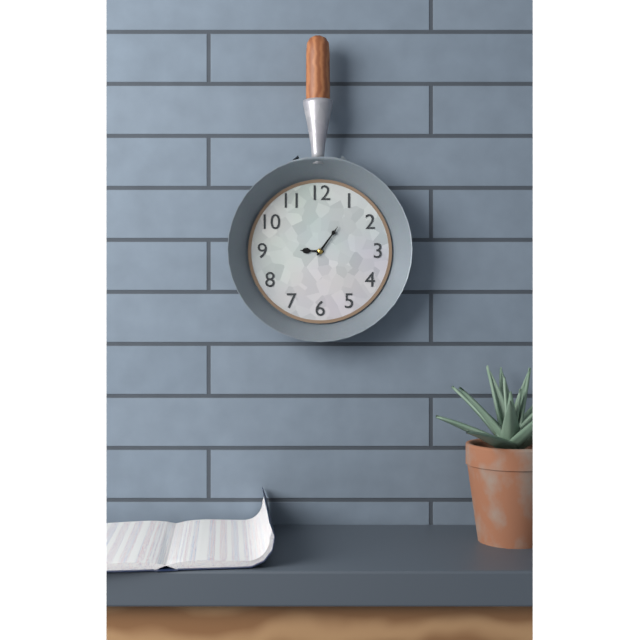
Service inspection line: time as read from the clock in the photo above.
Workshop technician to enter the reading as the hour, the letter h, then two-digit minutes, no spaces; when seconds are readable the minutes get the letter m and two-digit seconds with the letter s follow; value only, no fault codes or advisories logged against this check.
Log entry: 9h06
